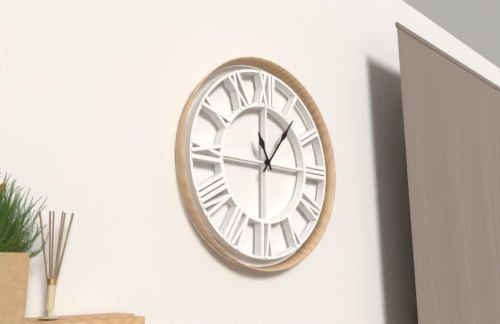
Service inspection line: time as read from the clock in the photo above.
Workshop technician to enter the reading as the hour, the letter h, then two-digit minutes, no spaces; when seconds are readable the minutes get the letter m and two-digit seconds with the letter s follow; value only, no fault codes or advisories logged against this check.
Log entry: 11h06
